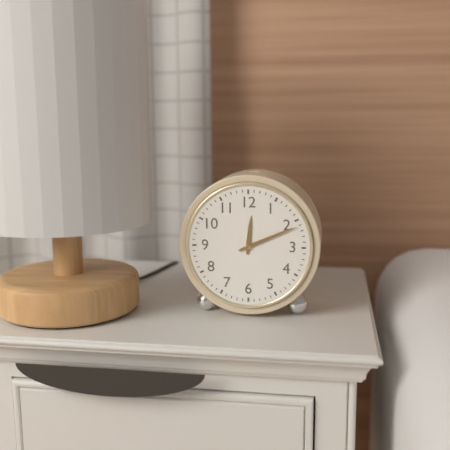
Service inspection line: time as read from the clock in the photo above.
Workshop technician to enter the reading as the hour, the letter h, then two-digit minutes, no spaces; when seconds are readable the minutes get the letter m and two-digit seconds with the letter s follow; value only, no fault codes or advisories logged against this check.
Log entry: 12h11
